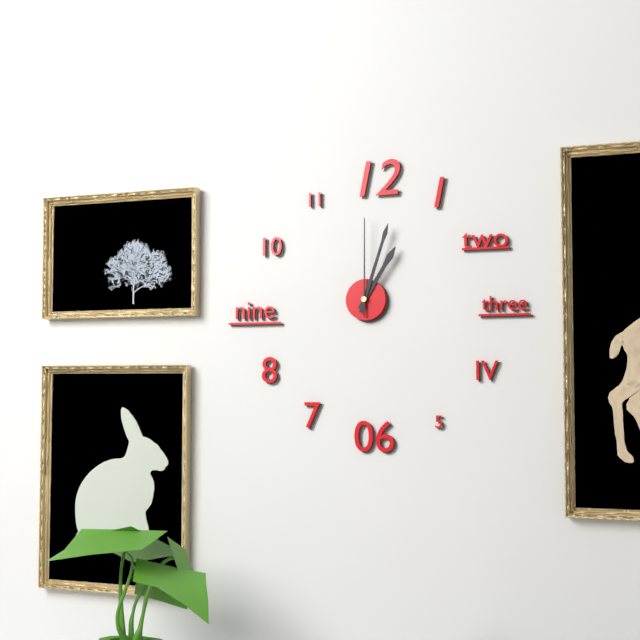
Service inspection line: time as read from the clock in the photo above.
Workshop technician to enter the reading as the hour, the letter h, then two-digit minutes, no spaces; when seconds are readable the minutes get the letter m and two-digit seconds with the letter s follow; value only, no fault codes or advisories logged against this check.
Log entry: 1h03m00s
